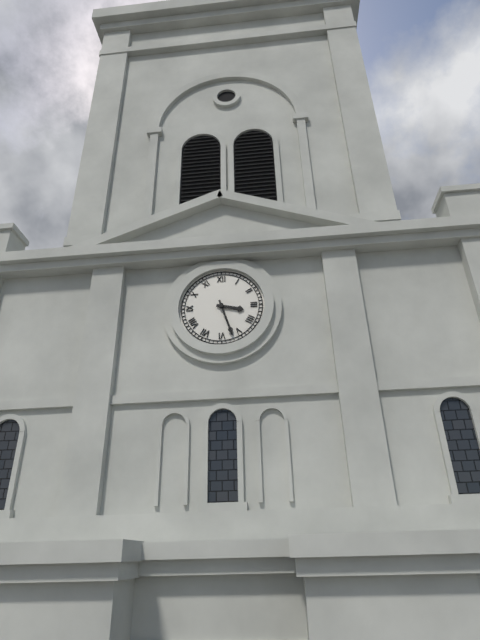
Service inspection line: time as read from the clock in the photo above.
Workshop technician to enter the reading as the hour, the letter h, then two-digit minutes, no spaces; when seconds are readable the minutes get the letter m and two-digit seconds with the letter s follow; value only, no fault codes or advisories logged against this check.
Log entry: 3h27
